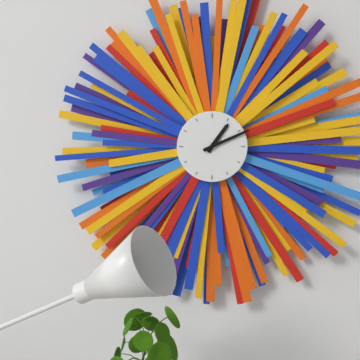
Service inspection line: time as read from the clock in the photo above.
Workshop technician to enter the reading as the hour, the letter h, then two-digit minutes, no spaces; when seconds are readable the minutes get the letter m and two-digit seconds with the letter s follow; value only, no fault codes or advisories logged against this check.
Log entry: 1h11
